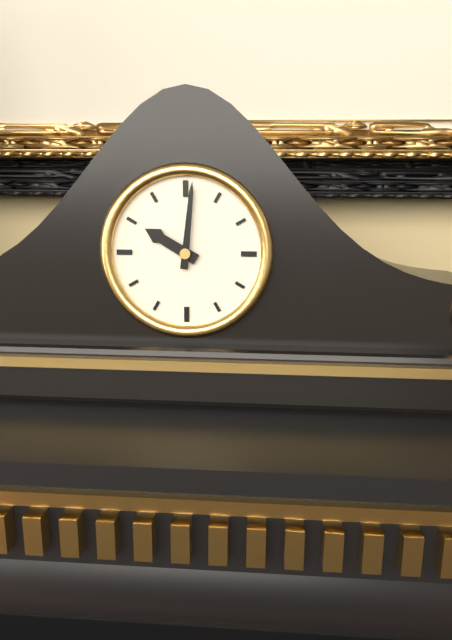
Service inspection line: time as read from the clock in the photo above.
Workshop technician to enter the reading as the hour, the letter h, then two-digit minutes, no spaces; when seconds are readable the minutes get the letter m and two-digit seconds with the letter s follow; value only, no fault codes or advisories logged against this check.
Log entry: 10h01
